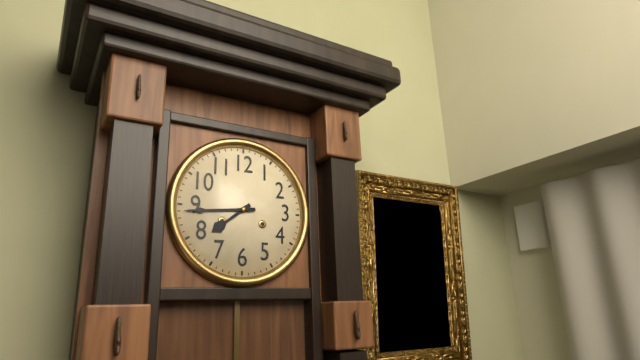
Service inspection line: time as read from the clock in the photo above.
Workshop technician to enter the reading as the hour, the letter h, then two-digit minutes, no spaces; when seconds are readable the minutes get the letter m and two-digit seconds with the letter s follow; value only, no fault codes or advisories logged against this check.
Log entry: 7h44
